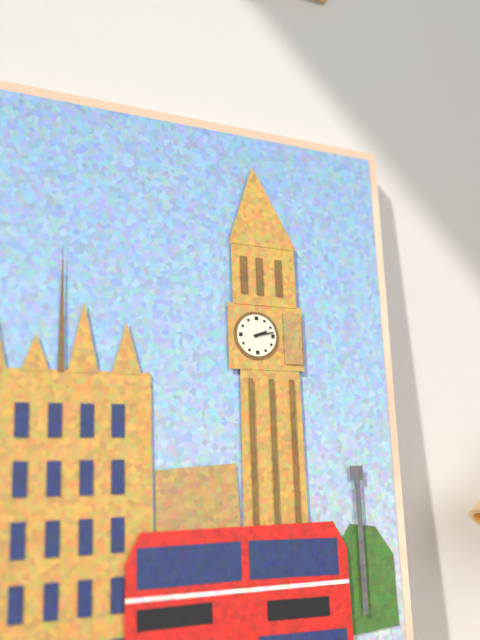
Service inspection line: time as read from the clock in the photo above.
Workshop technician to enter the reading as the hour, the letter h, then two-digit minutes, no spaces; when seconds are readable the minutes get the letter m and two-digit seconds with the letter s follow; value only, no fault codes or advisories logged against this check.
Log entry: 2h13
